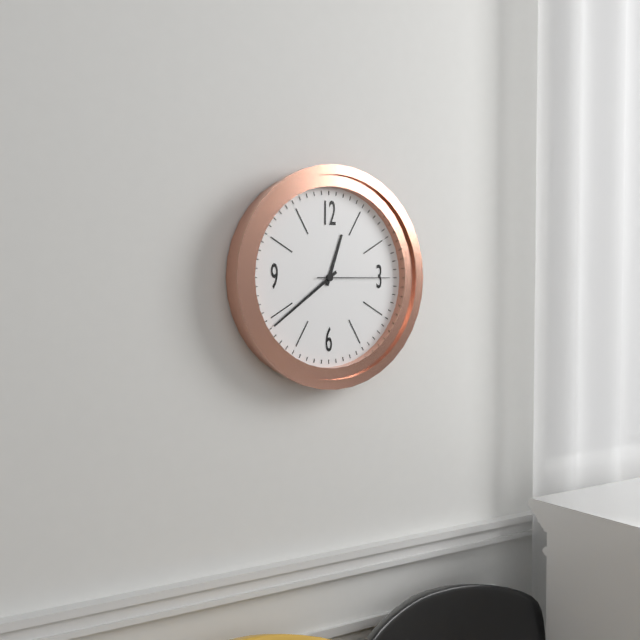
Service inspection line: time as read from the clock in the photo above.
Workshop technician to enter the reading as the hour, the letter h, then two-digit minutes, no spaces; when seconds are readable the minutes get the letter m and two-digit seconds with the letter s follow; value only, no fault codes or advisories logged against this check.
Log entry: 12h39m15s
